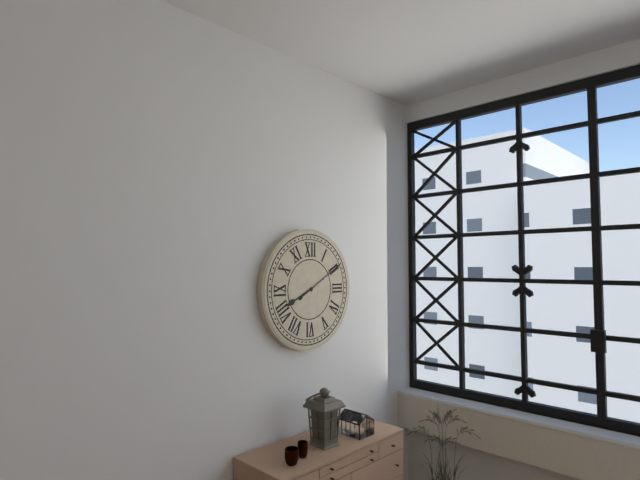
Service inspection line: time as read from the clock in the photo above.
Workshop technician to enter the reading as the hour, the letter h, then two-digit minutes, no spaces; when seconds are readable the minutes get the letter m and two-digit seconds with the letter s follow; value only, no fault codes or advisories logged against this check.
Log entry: 8h10
